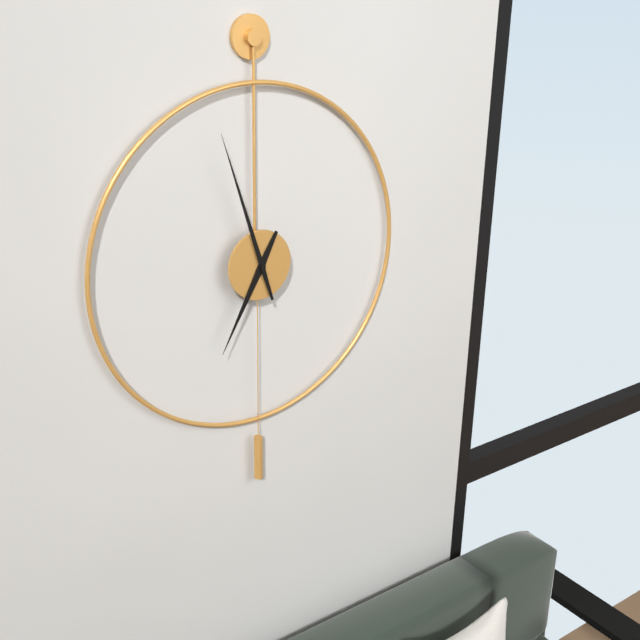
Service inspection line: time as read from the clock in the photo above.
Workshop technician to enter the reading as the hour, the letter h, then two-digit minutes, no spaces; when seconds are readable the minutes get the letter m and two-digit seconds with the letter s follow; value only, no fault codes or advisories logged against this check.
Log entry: 6h57
